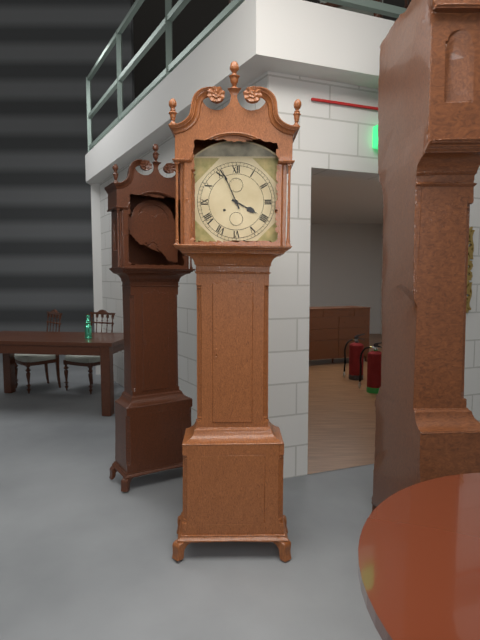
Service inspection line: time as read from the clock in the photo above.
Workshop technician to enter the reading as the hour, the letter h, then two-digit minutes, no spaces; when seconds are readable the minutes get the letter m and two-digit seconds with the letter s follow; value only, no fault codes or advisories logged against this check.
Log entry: 3h56
